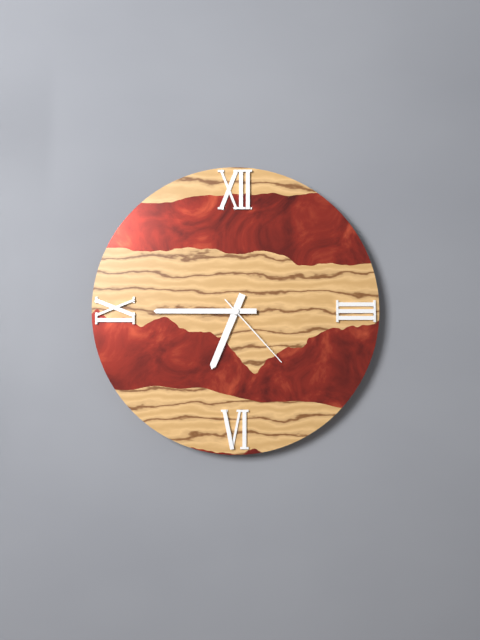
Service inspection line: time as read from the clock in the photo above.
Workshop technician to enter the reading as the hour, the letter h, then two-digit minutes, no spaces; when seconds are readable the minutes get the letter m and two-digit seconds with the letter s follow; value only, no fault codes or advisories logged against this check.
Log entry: 6h45m23s
